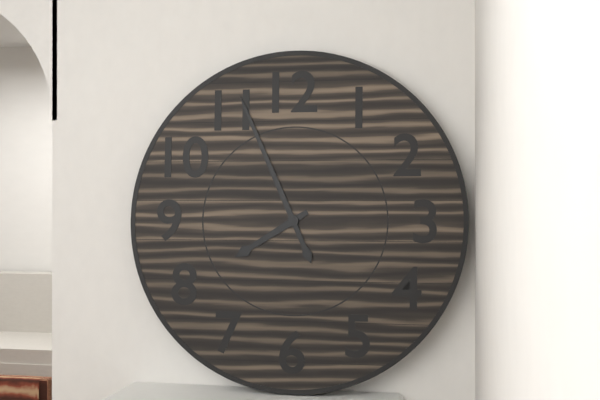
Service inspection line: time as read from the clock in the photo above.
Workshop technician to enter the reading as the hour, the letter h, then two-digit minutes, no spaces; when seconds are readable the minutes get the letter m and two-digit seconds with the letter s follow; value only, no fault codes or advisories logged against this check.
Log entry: 7h56
